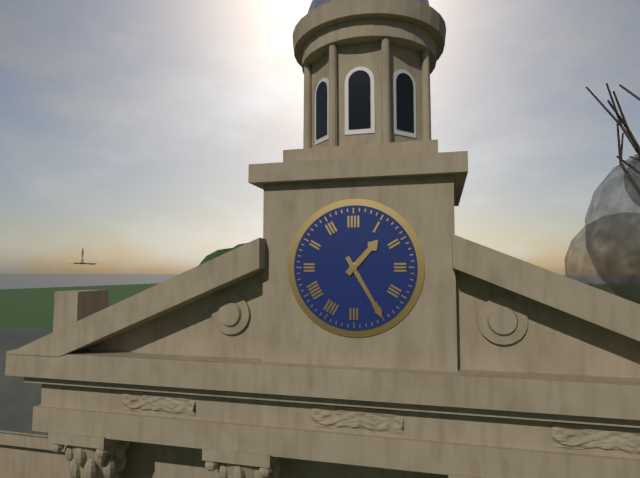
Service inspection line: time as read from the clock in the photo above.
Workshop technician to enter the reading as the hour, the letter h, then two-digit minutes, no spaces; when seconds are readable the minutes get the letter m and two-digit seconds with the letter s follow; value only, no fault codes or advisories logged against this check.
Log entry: 1h25
